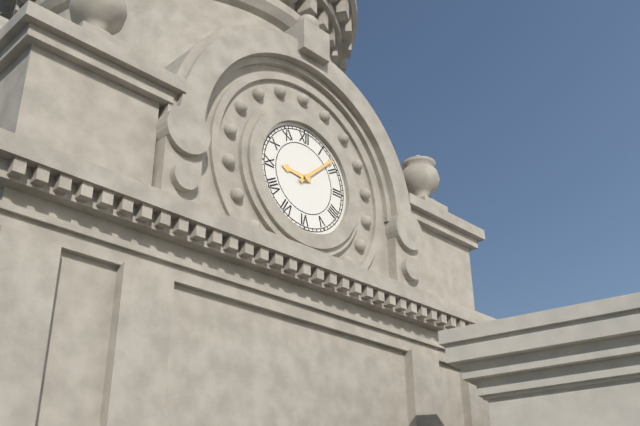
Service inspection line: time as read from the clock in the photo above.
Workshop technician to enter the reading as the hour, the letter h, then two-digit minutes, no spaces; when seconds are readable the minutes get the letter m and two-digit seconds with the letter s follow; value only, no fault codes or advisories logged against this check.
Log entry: 9h08
